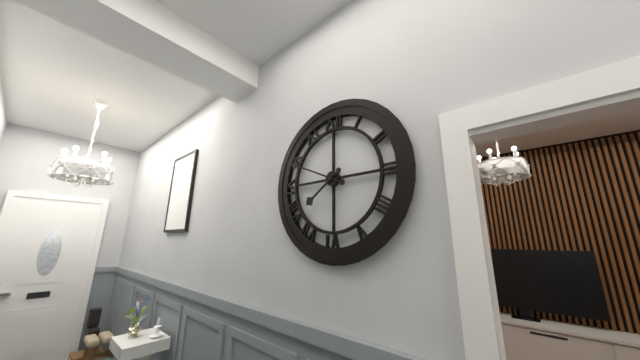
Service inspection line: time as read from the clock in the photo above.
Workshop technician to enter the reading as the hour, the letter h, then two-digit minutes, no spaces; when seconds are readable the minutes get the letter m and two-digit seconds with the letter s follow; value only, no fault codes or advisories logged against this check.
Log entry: 7h49
